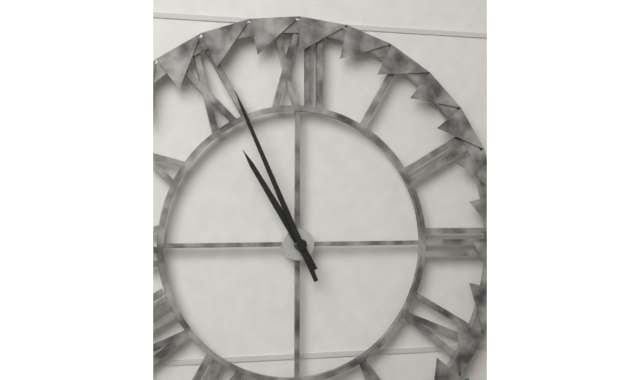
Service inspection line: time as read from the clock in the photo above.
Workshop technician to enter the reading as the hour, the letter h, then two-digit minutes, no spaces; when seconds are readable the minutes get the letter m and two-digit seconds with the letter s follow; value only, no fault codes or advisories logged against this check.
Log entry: 10h56
